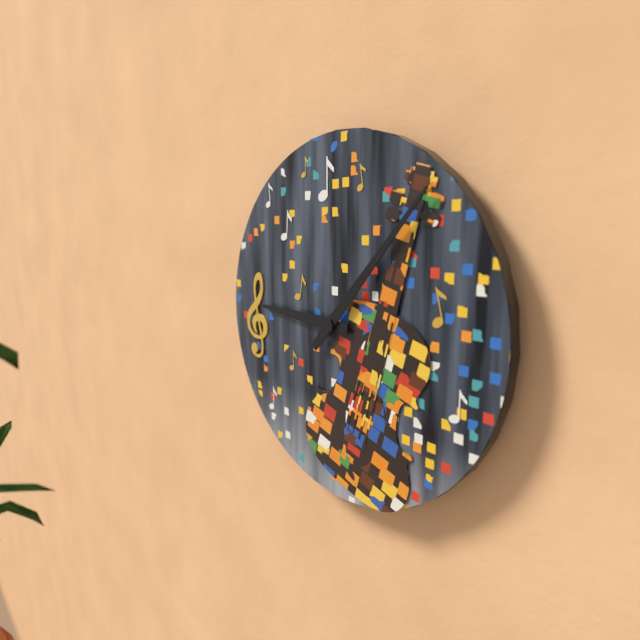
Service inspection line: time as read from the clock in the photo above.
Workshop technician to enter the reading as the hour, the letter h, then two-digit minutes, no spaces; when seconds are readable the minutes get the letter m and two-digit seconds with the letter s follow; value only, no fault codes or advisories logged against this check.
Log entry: 9h07
